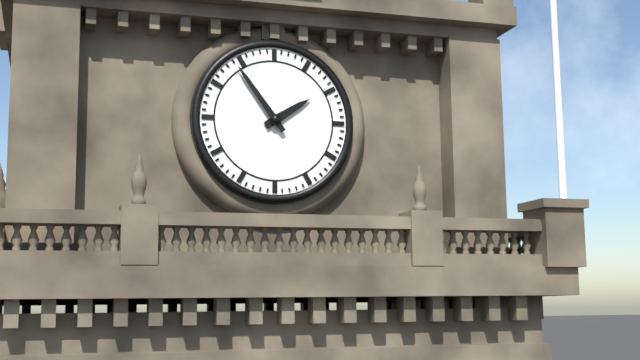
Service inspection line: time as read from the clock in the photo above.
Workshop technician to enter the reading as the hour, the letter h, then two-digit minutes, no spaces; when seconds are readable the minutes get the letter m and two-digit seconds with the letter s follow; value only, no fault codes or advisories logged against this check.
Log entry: 1h54
